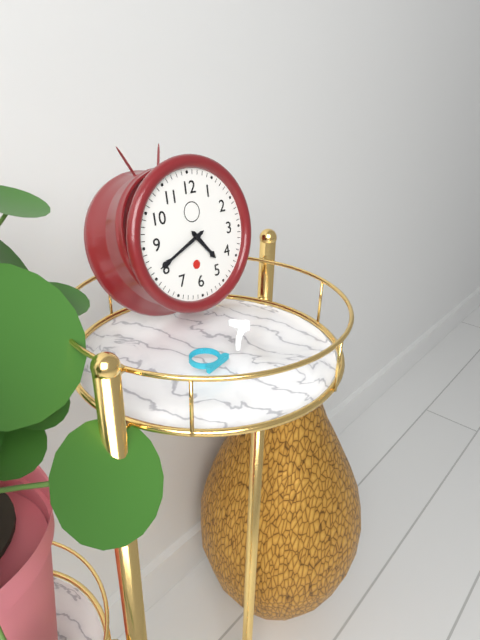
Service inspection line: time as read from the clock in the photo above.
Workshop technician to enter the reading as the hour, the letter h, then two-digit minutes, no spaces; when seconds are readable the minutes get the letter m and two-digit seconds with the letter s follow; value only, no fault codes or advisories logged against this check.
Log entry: 4h41
